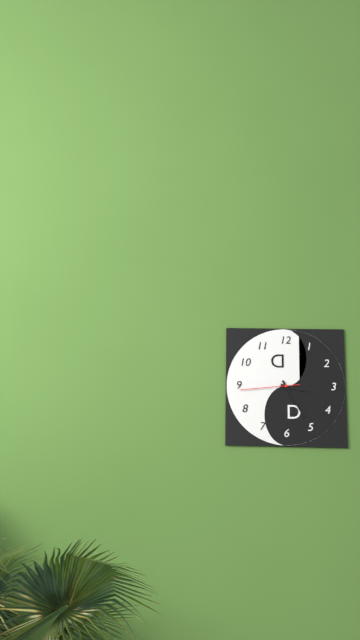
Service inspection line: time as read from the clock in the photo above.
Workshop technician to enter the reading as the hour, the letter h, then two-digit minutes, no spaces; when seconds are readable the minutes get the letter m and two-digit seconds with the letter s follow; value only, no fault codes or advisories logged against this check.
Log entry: 3h25m44s
